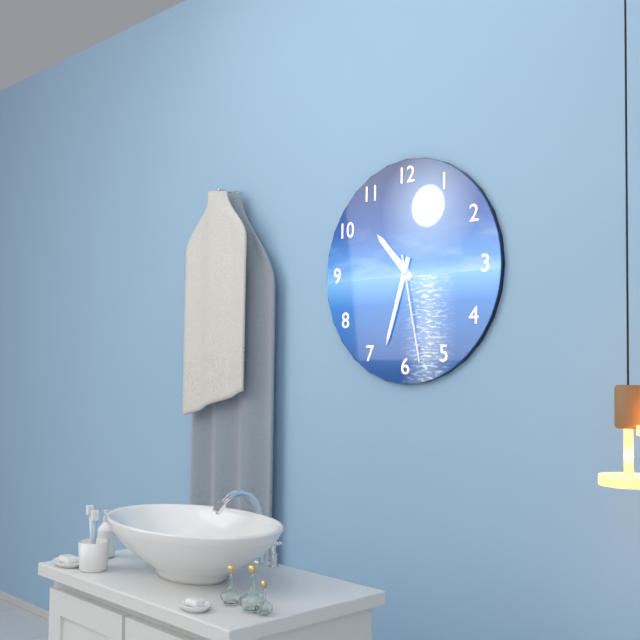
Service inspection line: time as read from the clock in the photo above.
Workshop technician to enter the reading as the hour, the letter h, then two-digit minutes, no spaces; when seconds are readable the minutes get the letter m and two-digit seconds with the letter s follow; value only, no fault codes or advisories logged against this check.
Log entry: 10h33m28s
